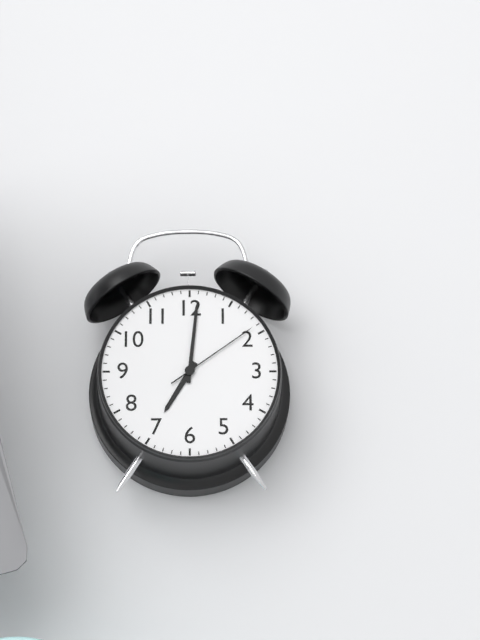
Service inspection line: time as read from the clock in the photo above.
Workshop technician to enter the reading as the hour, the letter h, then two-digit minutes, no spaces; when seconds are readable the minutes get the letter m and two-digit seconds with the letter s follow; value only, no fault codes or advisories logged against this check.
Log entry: 7h01m09s
